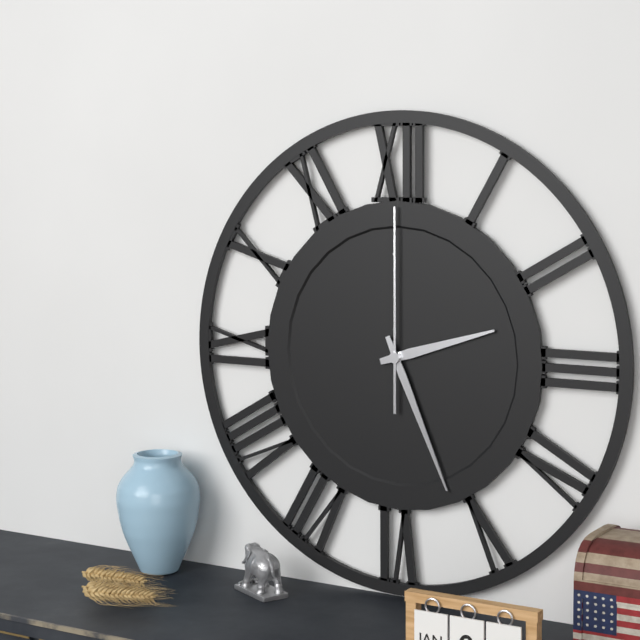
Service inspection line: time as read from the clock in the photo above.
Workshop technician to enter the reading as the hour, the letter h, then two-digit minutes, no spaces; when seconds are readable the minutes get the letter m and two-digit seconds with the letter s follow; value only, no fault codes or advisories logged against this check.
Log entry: 2h26m00s
